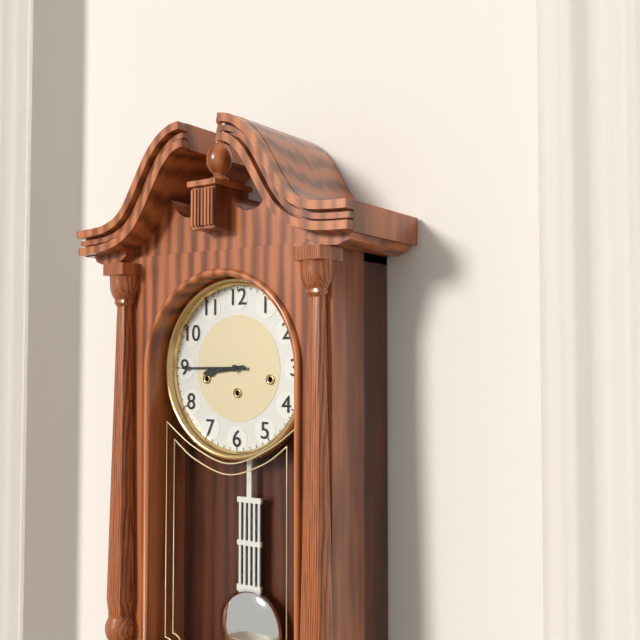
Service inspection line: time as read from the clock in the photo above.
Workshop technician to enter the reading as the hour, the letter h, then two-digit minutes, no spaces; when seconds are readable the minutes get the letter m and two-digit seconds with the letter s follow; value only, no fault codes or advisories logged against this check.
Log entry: 8h45
